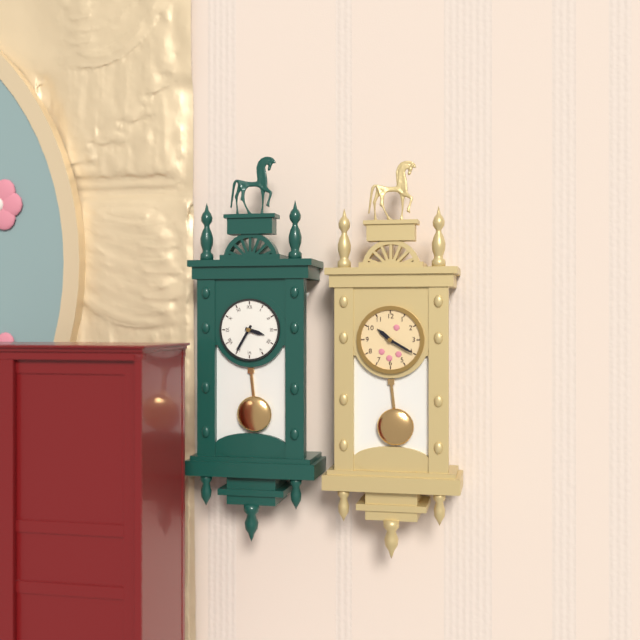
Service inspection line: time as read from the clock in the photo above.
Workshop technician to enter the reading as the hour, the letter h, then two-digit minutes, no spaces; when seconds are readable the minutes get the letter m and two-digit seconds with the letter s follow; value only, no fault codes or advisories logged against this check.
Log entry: 3h35
